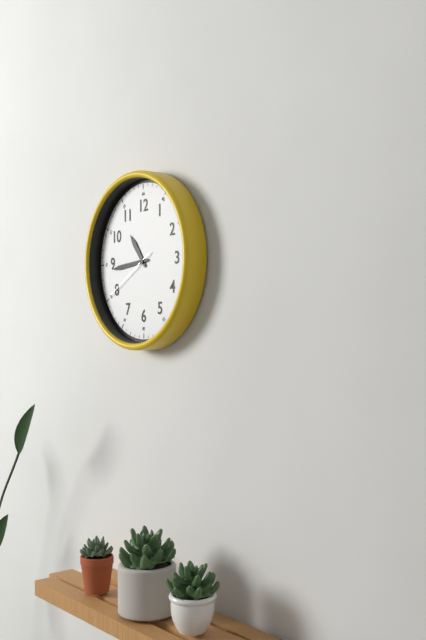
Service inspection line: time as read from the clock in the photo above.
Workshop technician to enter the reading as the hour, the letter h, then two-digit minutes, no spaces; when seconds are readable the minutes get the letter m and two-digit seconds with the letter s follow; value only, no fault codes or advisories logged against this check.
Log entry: 10h44m40s
